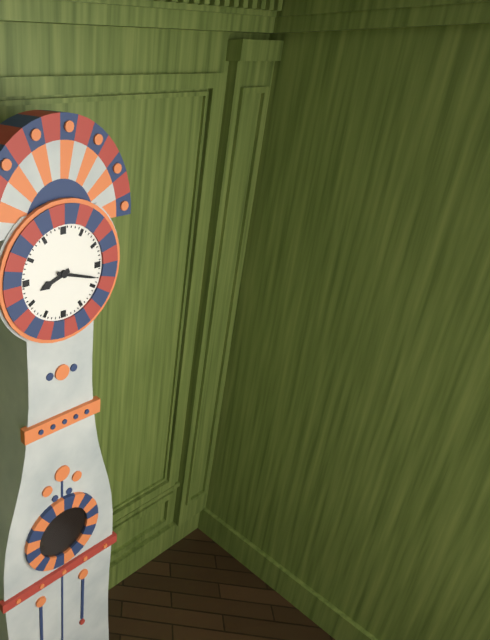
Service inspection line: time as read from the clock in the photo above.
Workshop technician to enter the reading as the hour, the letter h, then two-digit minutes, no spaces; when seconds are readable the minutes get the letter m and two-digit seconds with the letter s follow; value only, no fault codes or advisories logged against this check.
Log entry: 8h18
